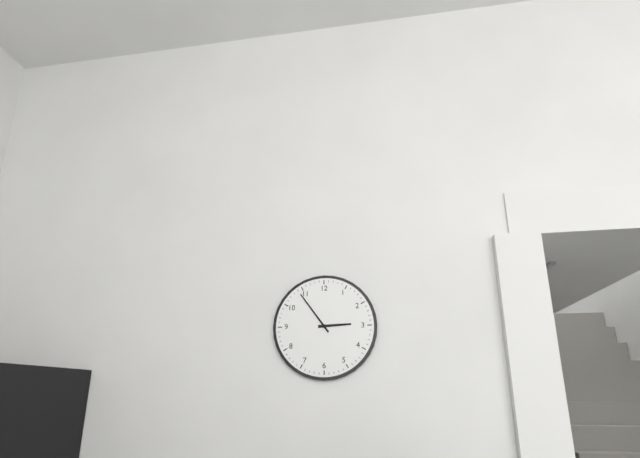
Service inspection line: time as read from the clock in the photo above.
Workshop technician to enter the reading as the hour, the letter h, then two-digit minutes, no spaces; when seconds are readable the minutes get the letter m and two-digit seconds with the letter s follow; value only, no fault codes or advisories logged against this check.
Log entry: 2h54
